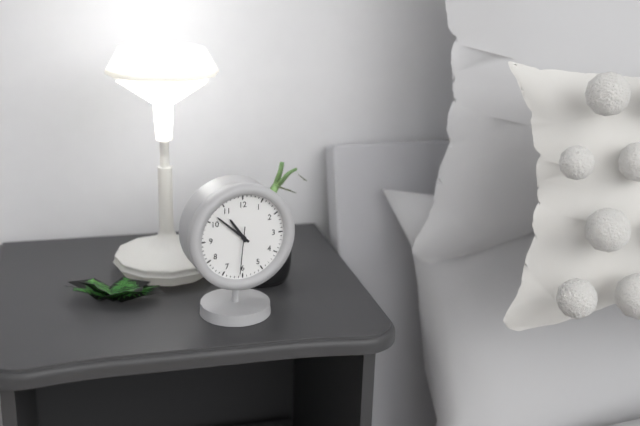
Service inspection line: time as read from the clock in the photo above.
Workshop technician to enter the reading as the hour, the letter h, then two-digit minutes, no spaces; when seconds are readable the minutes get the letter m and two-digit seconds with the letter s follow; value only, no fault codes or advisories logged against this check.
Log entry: 10h52
